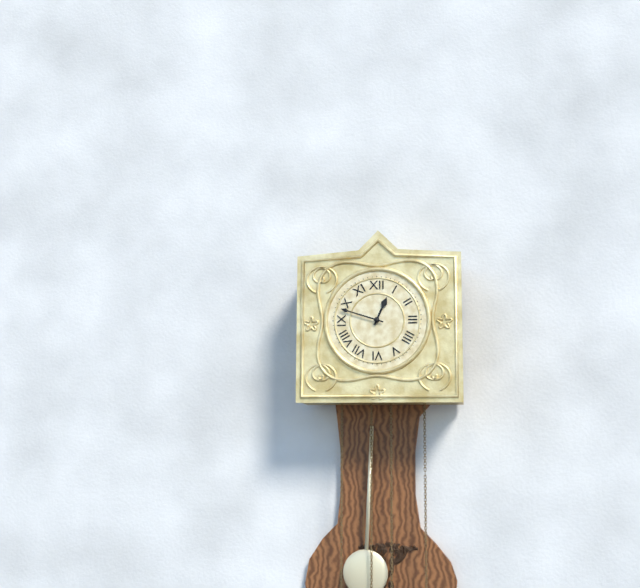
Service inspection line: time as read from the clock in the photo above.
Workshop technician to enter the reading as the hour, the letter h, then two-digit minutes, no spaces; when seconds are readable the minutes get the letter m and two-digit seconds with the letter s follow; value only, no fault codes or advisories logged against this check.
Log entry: 12h48
